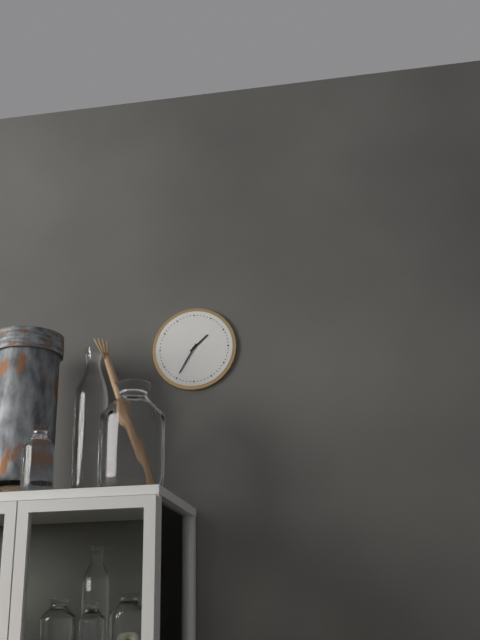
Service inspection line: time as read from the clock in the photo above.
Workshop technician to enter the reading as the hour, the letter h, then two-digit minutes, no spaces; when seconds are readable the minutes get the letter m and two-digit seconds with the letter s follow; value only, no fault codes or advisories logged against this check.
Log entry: 1h35
